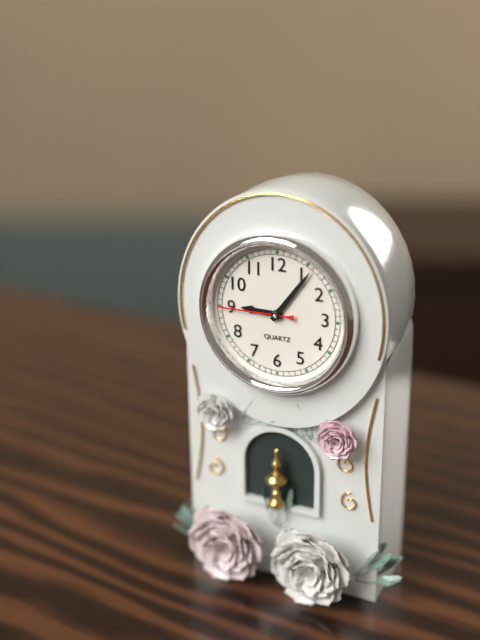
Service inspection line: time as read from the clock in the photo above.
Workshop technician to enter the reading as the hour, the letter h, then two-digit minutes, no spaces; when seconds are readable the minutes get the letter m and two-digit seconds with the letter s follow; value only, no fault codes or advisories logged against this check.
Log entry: 9h06m45s
